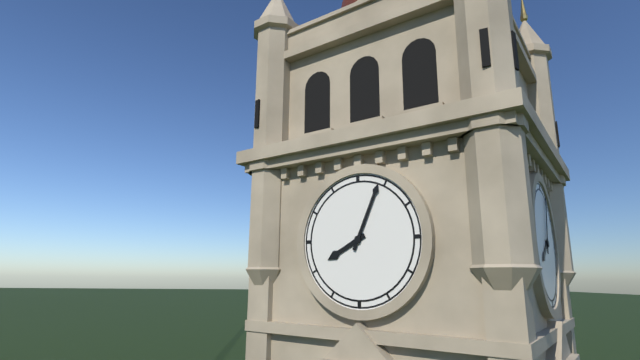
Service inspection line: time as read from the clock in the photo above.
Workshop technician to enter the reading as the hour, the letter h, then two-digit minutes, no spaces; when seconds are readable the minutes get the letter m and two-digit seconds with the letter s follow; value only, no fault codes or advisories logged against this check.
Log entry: 8h04
